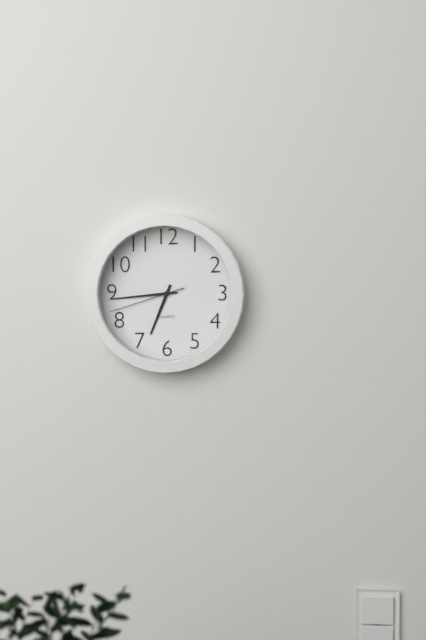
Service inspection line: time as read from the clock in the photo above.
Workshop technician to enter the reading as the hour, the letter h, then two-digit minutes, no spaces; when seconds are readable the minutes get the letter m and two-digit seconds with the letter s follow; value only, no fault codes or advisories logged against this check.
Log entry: 6h44m42s
